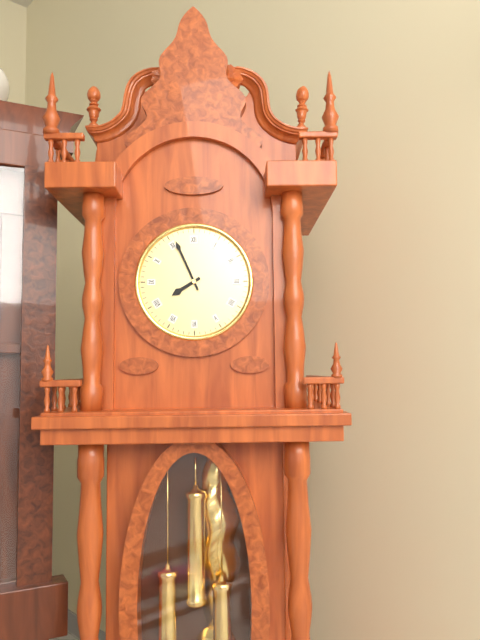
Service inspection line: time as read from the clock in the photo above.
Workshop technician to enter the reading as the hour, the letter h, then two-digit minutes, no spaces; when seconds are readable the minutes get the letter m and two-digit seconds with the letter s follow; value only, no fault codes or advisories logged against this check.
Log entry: 7h56
